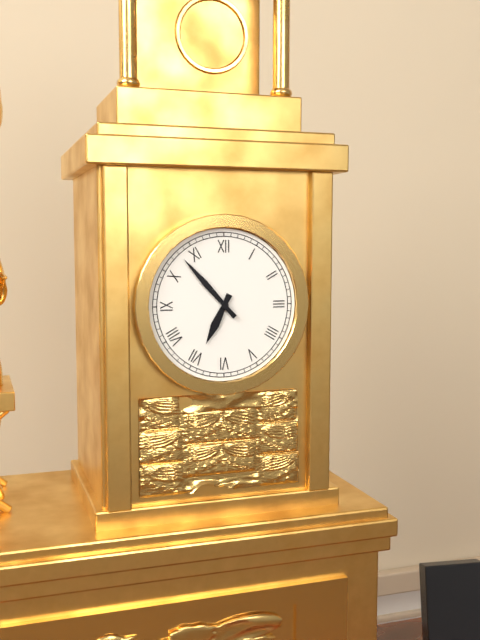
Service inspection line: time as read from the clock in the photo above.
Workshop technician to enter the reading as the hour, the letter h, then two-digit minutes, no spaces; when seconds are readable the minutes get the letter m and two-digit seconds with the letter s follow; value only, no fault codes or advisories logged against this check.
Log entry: 6h53
